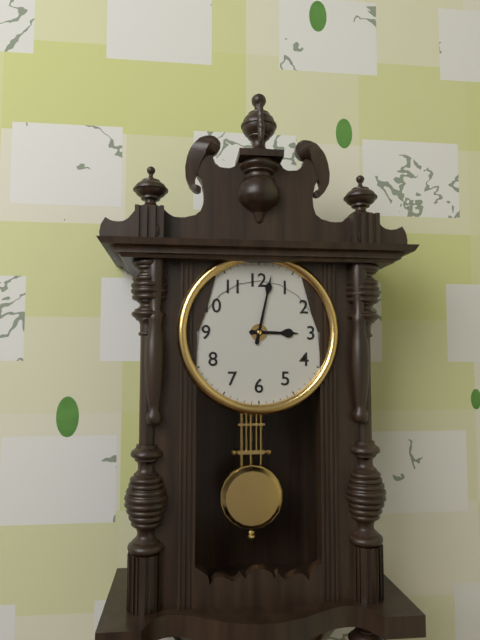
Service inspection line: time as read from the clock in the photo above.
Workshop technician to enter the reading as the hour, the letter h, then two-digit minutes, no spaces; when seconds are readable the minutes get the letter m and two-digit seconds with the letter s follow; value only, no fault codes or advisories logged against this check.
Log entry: 3h02
